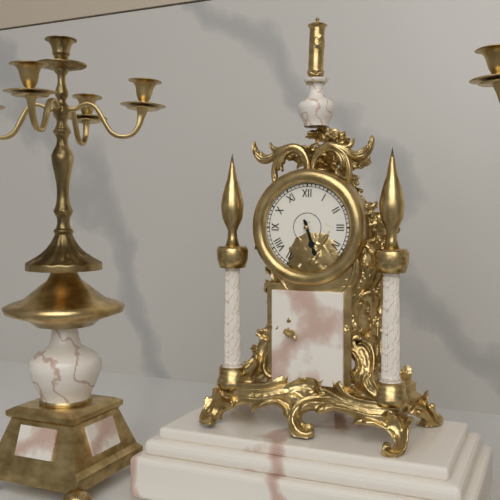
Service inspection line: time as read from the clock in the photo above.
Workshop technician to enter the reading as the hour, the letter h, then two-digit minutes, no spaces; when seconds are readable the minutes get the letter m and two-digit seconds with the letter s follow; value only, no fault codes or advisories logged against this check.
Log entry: 5h27
